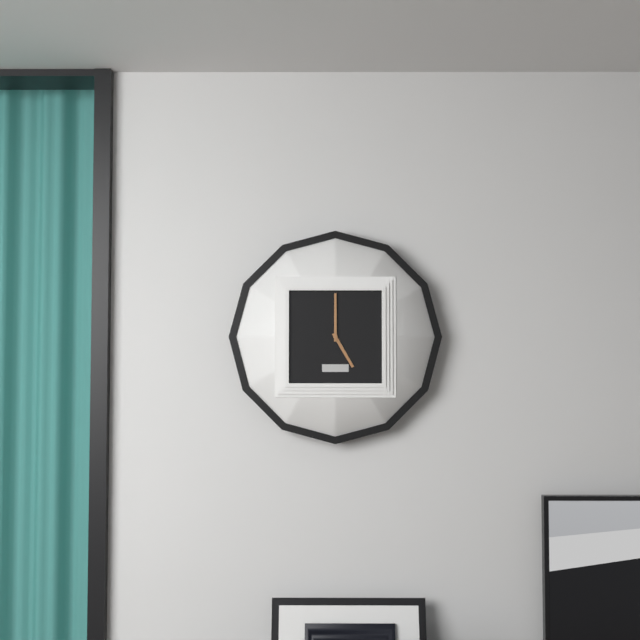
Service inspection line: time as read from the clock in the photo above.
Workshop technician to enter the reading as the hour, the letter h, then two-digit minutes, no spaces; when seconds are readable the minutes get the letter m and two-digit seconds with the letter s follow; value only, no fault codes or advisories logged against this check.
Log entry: 5h00
